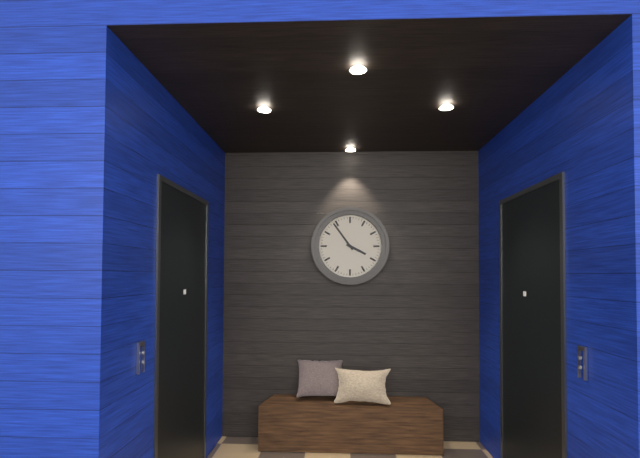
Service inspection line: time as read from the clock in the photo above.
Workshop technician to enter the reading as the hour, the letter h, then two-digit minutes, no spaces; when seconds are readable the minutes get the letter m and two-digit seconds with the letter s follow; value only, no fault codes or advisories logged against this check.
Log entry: 3h54
